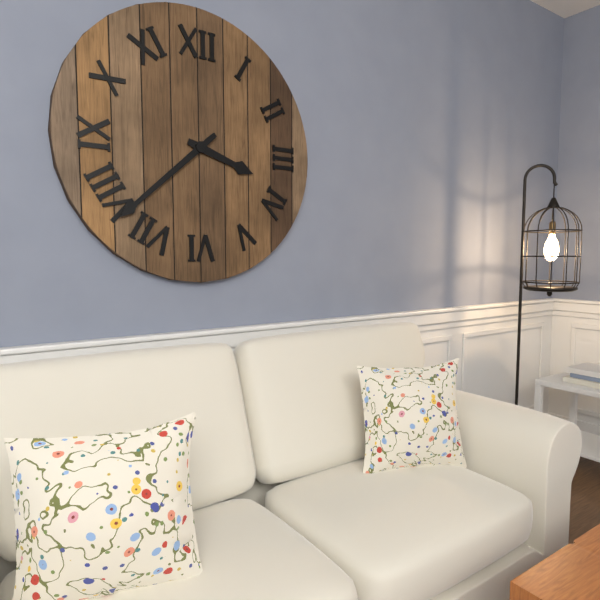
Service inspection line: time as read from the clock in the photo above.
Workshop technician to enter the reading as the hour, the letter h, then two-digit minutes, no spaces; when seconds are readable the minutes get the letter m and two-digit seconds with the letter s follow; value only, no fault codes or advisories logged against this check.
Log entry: 3h38
